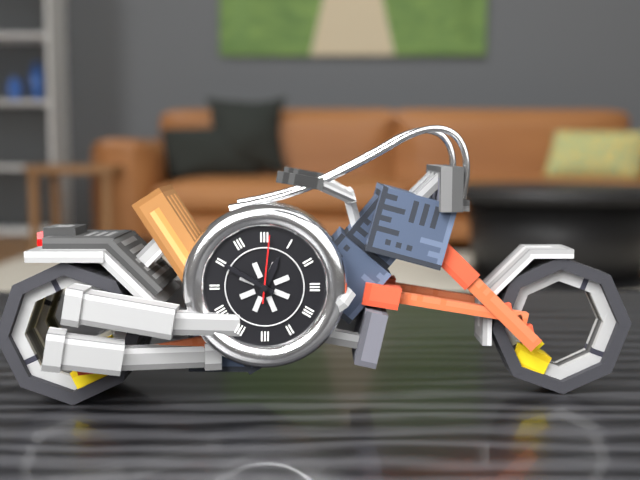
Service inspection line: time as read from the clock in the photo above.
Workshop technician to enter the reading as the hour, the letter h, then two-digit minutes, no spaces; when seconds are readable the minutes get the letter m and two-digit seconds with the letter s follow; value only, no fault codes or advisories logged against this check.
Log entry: 12h50m01s
